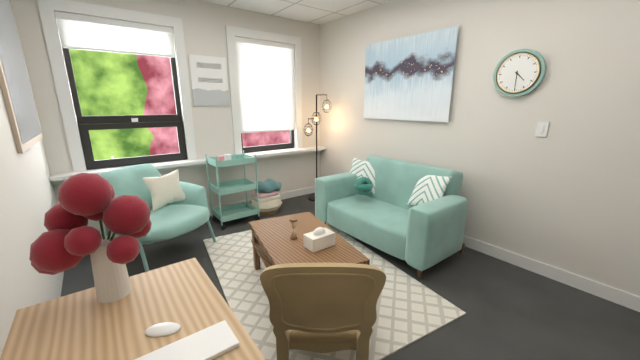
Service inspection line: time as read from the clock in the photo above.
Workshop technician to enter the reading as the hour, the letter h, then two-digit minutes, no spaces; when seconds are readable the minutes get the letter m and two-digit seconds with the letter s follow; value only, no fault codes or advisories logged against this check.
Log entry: 4h30
